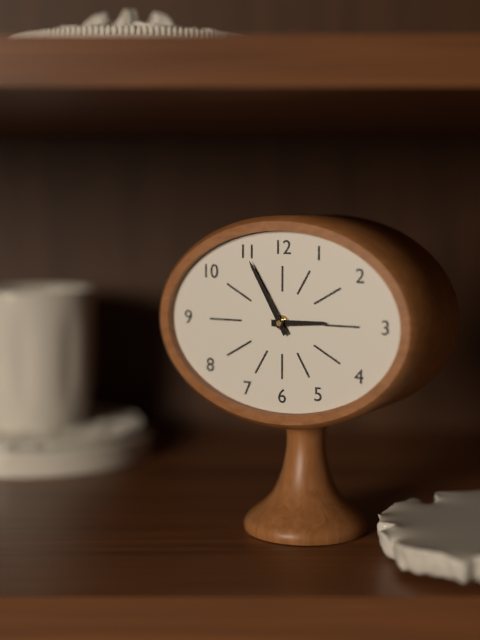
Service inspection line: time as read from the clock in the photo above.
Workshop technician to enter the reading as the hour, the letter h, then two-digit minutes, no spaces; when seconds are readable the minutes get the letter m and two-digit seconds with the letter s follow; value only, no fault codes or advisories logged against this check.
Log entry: 2h55
